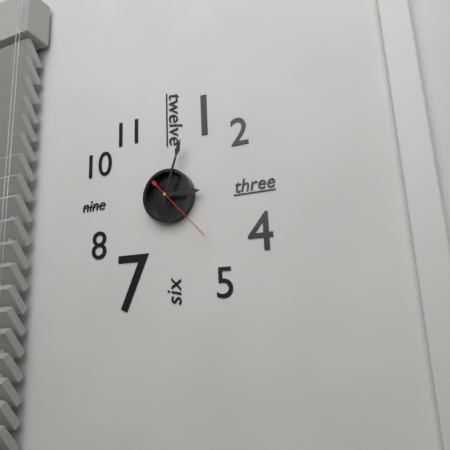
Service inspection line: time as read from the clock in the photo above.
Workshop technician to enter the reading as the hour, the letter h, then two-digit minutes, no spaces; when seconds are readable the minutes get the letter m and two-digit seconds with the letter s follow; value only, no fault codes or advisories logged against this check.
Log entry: 3h03m23s
